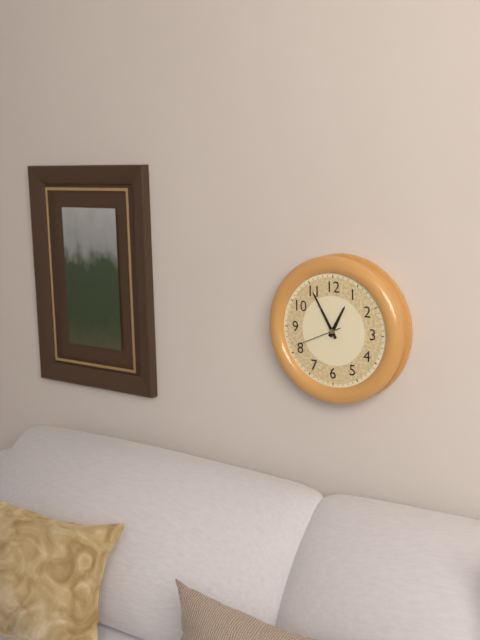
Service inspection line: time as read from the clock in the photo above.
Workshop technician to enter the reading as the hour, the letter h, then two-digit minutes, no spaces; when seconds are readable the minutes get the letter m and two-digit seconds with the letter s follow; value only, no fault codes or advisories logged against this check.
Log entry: 12h55
